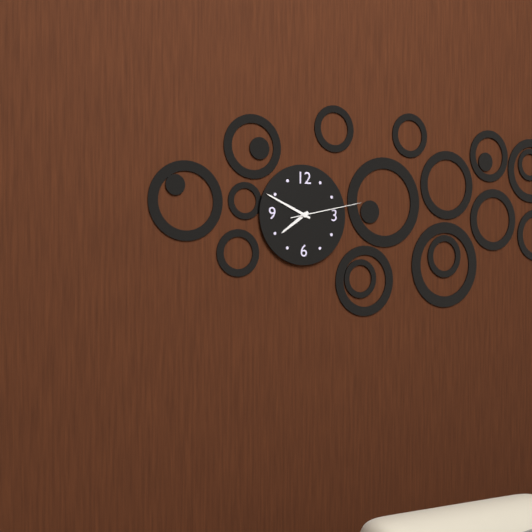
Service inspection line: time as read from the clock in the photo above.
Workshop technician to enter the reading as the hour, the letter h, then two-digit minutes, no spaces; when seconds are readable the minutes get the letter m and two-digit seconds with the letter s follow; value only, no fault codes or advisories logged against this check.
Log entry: 7h49m13s
